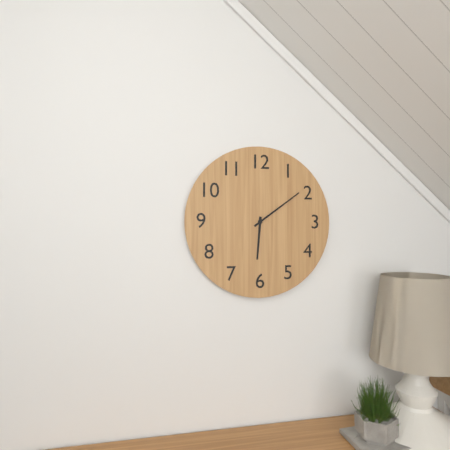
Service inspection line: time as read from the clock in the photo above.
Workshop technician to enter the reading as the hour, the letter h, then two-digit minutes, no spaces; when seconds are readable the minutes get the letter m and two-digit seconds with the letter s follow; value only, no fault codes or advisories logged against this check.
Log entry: 6h09
